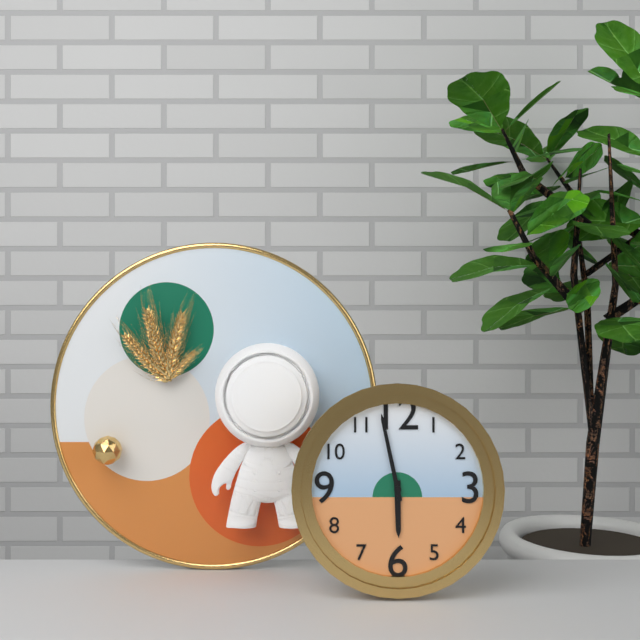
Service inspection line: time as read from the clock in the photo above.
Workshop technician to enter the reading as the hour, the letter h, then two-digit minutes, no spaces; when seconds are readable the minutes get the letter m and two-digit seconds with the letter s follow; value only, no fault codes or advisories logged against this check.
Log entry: 5h58
